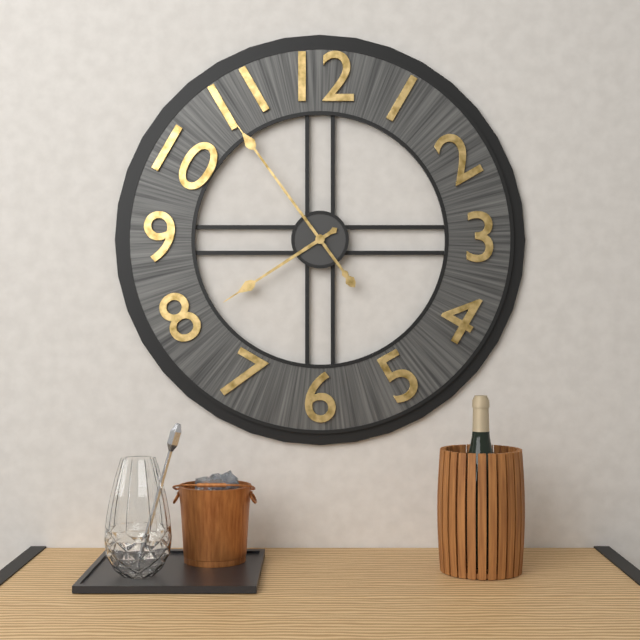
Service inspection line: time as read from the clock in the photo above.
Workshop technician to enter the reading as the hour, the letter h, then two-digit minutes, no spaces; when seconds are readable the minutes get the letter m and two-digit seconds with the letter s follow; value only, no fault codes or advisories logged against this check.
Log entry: 7h54
